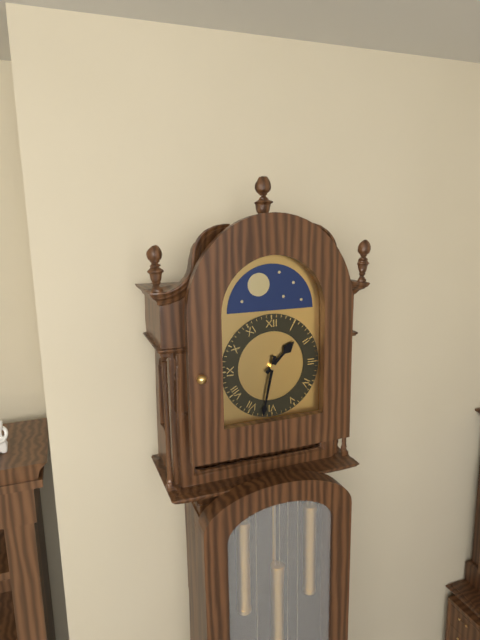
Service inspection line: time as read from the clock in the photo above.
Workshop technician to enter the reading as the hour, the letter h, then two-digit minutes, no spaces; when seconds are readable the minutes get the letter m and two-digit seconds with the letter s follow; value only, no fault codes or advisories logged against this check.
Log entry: 1h32
